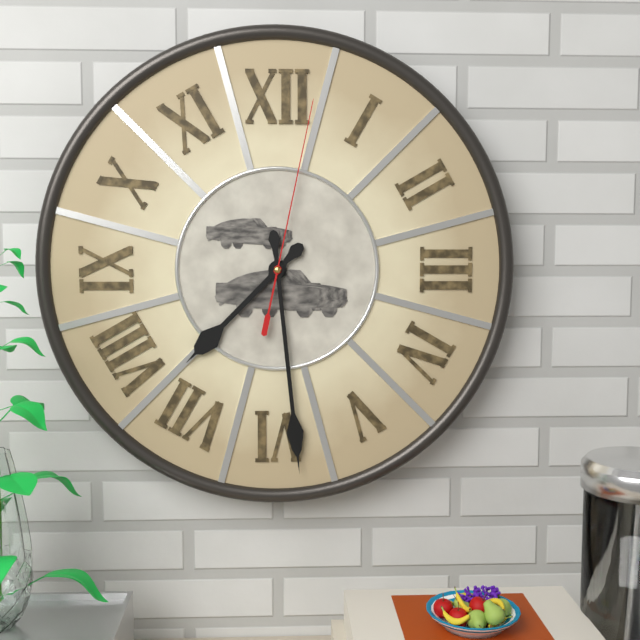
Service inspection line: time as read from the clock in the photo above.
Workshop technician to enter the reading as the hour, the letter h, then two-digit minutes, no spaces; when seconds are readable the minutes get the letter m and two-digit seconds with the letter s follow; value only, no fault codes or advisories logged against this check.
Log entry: 7h29m02s
